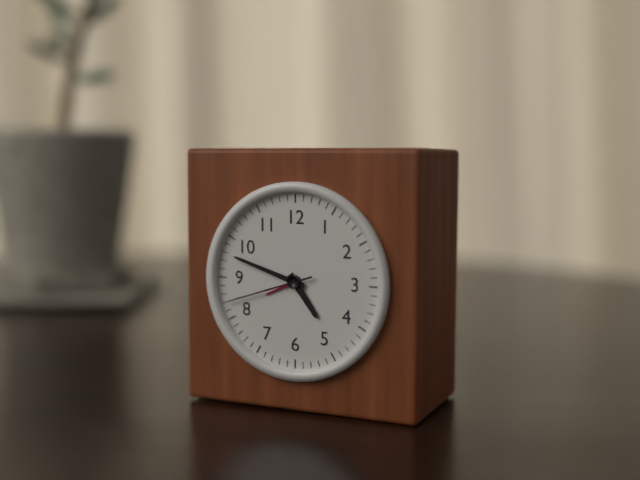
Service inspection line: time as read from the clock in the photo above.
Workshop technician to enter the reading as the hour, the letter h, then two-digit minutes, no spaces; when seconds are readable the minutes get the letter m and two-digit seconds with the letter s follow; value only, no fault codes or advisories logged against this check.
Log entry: 4h48m42s
